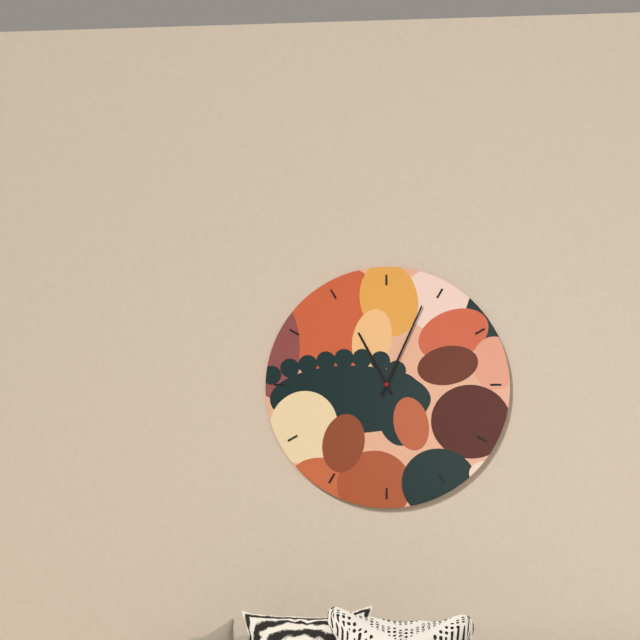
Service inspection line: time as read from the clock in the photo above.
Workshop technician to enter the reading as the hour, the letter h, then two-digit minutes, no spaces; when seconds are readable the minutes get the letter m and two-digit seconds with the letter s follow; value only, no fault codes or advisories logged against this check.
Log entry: 11h04
